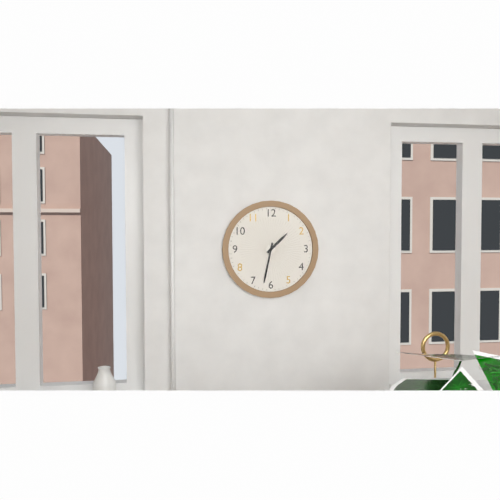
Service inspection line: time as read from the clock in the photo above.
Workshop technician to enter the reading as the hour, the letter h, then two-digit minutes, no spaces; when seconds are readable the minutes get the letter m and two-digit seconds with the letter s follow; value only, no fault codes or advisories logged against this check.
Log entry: 1h32
